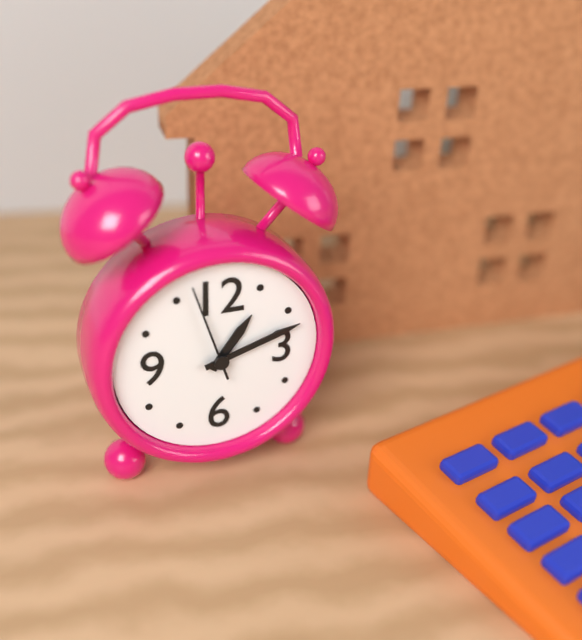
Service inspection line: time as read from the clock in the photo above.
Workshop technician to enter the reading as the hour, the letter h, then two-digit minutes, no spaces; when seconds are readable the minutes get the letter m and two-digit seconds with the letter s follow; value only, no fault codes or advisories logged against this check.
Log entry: 1h12m57s
